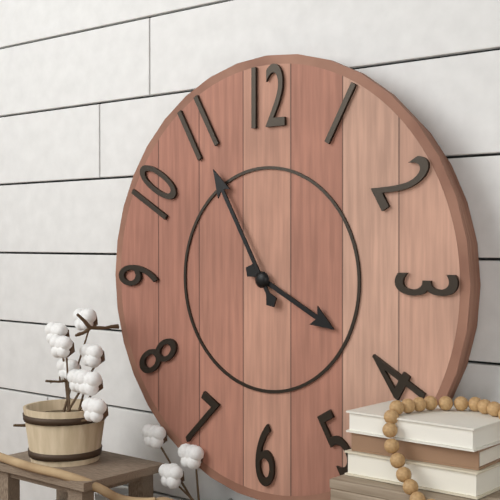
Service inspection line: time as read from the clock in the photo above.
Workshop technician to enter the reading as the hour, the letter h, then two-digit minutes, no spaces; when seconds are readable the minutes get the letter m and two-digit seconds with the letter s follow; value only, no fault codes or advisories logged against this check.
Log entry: 3h55
